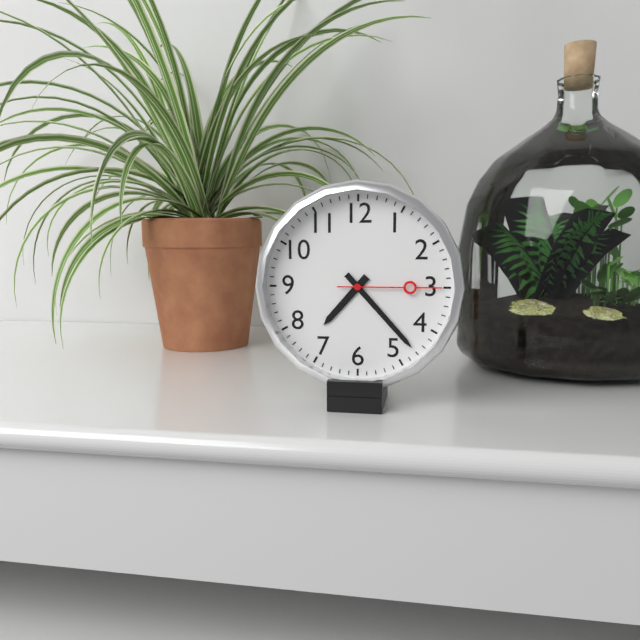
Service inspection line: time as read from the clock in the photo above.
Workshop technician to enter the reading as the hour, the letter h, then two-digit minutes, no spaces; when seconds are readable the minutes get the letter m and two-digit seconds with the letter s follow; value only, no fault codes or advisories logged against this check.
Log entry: 7h23m15s
